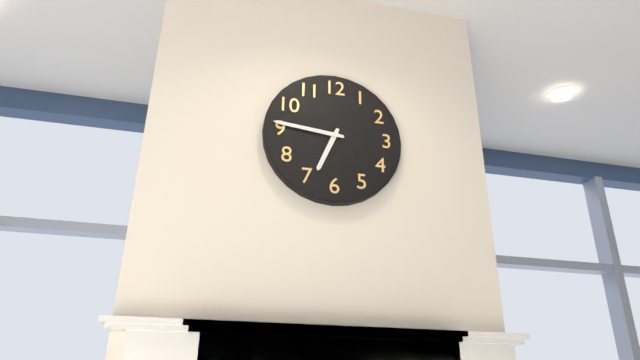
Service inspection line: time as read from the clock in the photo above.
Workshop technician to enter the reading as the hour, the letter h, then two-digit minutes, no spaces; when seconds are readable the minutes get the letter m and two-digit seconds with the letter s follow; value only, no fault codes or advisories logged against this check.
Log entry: 6h46
